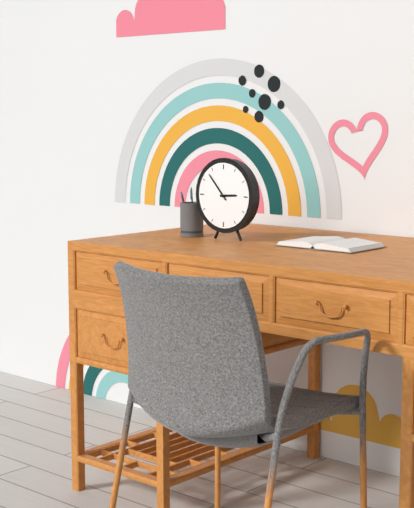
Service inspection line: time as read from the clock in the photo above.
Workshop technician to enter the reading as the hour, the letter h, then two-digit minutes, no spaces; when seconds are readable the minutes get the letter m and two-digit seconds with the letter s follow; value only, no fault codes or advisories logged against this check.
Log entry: 2h53
